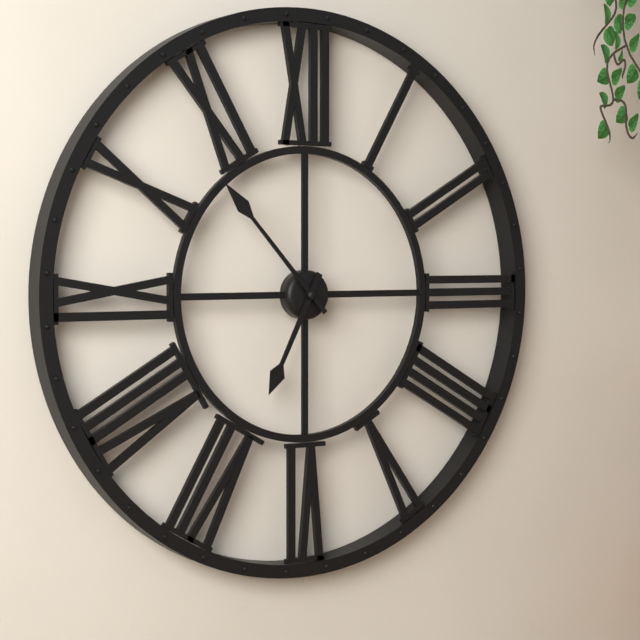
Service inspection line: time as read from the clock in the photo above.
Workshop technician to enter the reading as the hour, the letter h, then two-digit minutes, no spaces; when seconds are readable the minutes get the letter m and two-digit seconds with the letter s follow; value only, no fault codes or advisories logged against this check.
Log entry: 6h53
